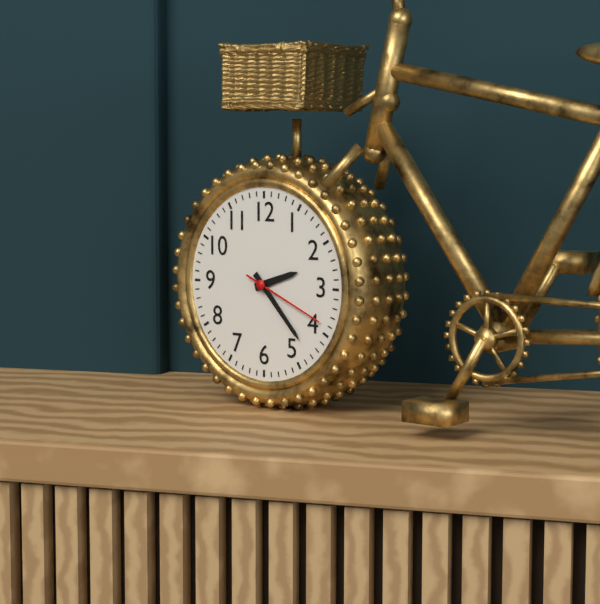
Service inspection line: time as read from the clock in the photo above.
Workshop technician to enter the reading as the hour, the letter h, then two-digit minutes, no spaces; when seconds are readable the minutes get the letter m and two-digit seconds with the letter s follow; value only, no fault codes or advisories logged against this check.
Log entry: 2h23m19s
